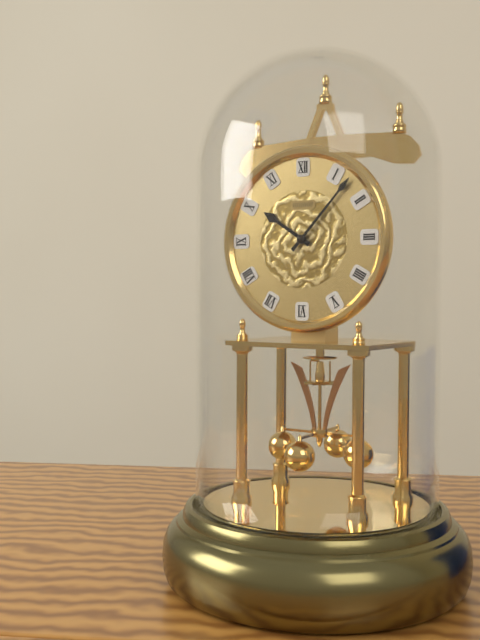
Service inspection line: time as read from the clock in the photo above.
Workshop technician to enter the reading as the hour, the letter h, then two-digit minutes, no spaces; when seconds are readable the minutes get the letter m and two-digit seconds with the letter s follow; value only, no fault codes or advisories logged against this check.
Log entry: 10h07
